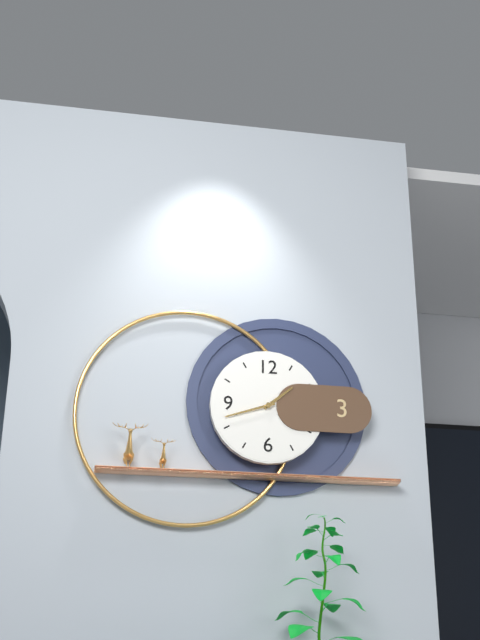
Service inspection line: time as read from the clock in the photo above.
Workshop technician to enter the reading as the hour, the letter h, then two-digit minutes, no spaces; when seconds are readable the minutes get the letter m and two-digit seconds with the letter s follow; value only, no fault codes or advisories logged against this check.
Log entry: 1h42
